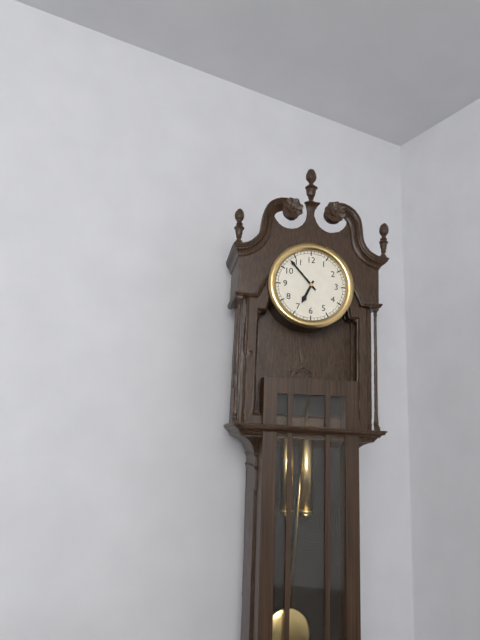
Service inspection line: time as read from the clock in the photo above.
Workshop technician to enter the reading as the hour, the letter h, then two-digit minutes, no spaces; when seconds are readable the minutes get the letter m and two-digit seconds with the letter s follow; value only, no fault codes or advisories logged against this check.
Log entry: 6h53
